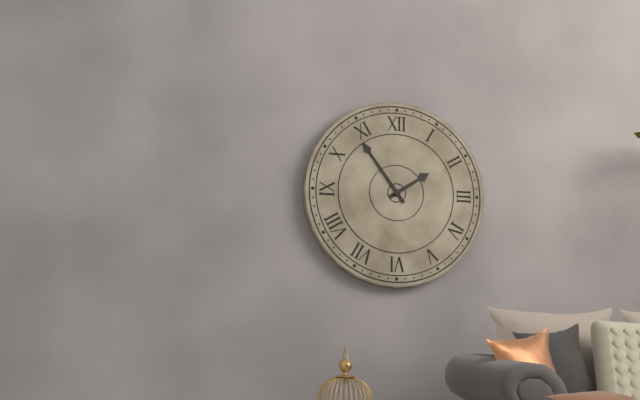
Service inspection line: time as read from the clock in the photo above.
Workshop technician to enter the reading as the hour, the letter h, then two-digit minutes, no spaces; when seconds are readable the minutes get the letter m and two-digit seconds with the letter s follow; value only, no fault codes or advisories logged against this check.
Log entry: 1h54
